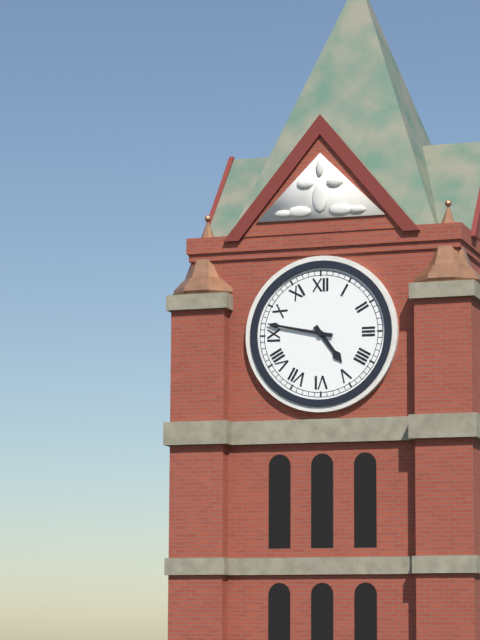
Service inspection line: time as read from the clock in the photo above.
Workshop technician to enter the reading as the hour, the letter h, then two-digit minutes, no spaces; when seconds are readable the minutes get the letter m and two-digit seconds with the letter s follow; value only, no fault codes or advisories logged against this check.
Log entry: 4h47
